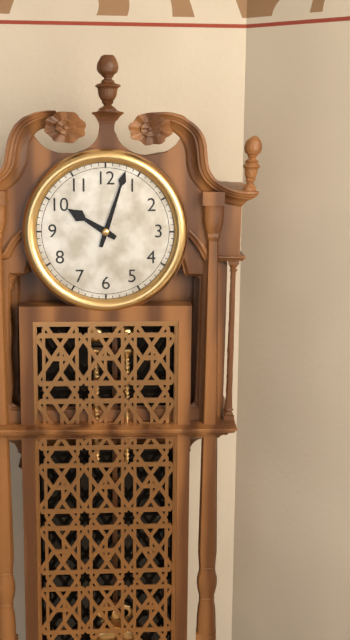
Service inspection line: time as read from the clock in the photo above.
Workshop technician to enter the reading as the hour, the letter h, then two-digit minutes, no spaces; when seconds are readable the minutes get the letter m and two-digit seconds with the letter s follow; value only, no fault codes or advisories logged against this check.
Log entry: 10h03
